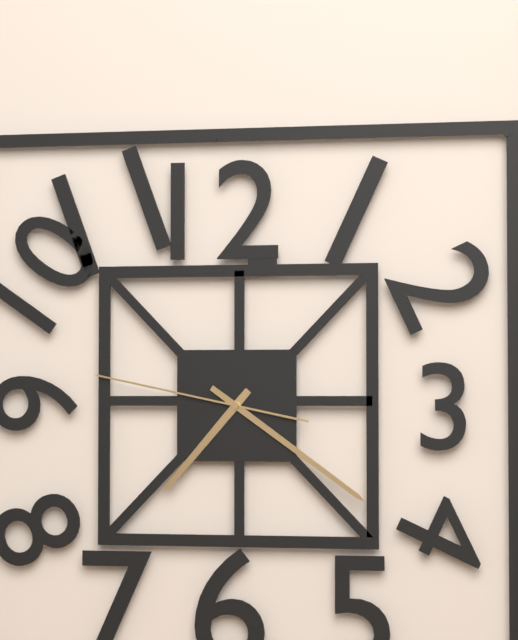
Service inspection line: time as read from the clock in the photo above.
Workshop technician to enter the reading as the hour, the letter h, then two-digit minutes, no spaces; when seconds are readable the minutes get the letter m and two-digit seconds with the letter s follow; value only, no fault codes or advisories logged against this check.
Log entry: 7h21m47s
